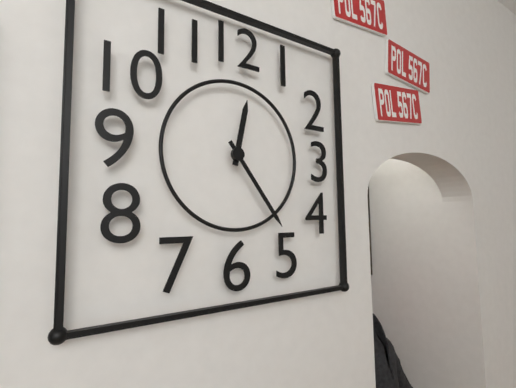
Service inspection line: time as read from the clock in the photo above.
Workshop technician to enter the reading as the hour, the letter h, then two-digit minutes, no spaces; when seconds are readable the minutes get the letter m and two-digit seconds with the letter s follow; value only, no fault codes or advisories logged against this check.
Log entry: 12h24
